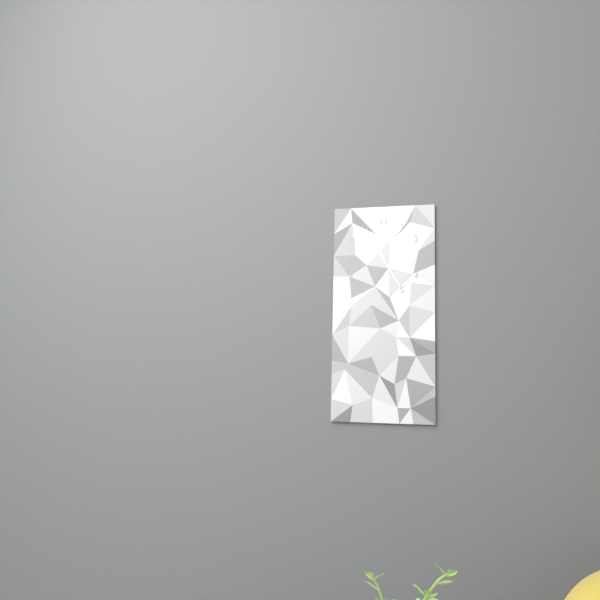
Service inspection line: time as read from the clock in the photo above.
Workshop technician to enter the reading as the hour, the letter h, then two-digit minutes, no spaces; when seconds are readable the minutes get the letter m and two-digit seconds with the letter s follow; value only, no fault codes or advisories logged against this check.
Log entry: 11h25
